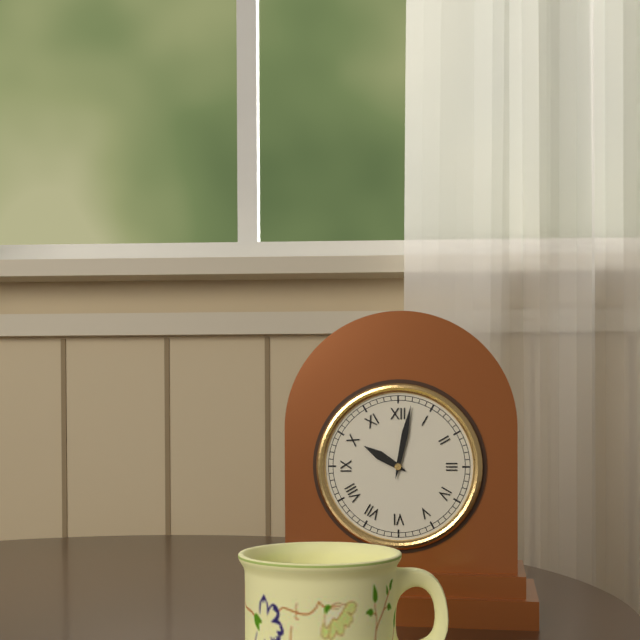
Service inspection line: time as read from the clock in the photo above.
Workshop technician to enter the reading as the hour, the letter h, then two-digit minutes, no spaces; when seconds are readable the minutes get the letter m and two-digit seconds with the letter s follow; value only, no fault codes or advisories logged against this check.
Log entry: 10h02
